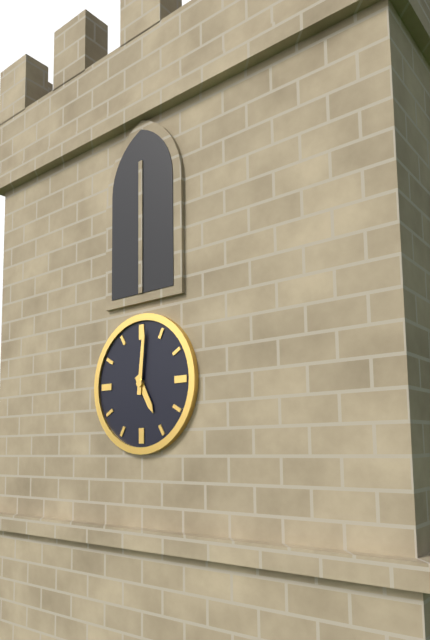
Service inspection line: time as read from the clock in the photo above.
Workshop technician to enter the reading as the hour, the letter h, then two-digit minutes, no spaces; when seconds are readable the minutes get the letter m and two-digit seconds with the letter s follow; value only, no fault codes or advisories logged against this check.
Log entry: 5h01
